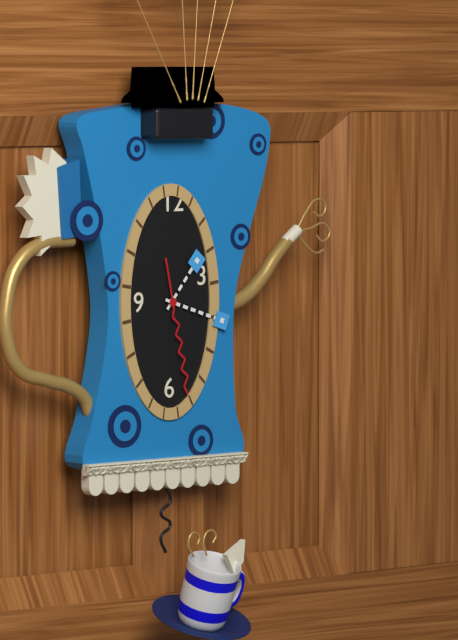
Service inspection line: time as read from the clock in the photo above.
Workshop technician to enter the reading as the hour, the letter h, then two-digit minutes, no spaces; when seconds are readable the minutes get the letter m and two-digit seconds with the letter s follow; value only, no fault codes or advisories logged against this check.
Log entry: 1h18m28s
